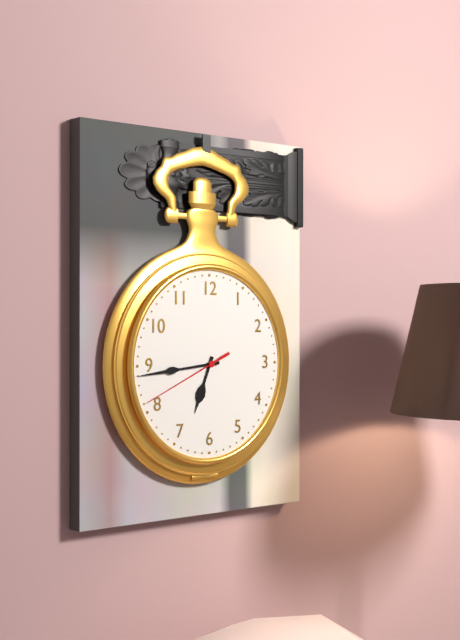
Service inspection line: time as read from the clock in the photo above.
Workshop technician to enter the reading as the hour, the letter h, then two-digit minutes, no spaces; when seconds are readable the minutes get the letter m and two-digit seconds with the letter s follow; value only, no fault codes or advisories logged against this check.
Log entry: 6h44m41s
